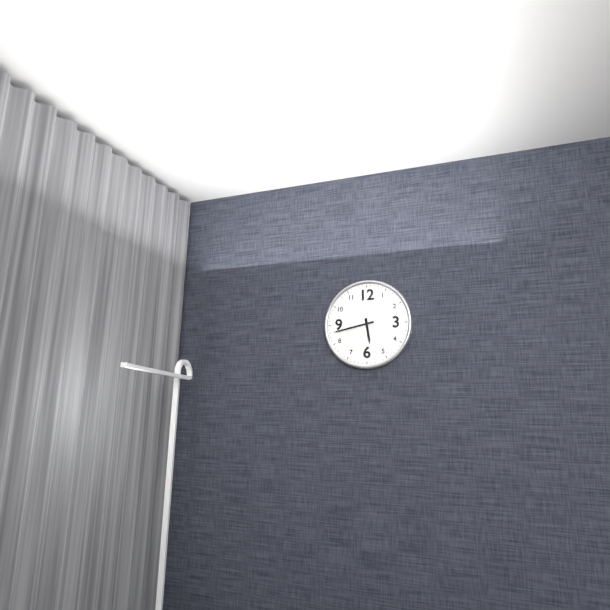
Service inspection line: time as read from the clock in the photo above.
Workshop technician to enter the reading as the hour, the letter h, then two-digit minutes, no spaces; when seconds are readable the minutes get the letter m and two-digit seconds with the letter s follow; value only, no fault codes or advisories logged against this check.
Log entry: 5h43
